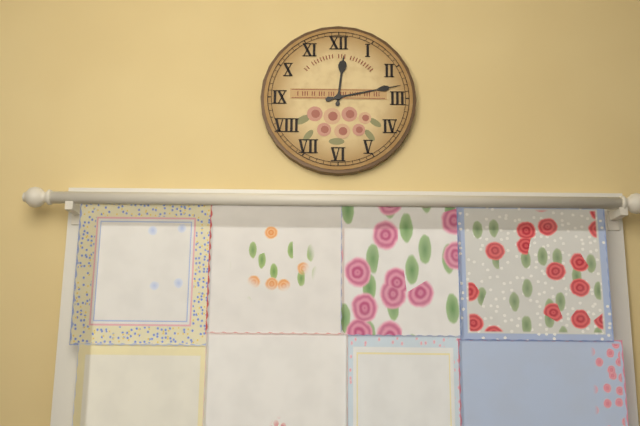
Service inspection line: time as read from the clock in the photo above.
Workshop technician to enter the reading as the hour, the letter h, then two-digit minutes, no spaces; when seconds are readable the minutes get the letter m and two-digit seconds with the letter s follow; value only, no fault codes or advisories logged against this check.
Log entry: 12h13
